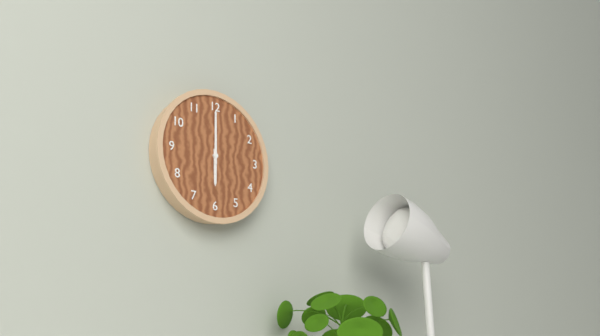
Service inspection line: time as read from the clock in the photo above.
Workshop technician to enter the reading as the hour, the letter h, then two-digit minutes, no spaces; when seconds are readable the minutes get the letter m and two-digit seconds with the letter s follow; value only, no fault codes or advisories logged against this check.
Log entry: 6h00
